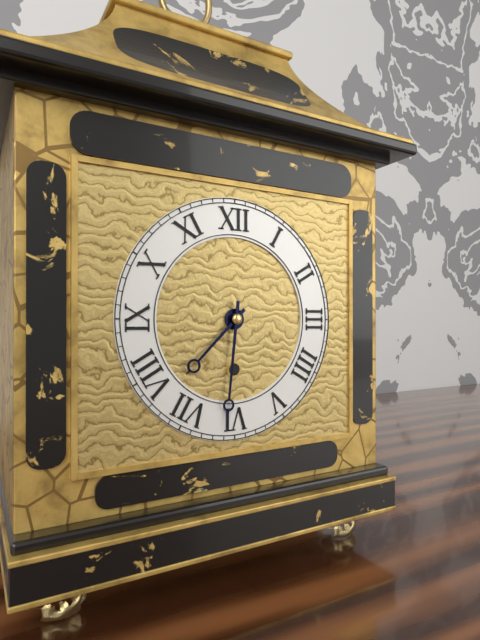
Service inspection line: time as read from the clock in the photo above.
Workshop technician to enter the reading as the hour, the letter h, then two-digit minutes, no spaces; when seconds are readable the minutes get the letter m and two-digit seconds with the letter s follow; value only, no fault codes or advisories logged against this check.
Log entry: 7h31
